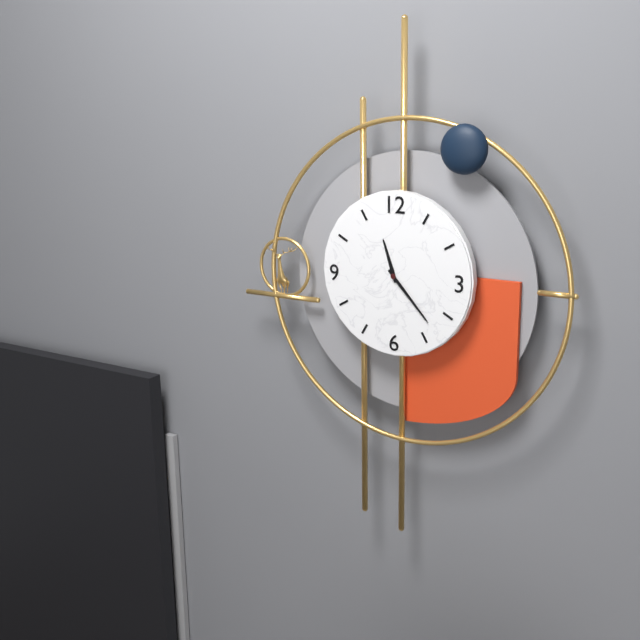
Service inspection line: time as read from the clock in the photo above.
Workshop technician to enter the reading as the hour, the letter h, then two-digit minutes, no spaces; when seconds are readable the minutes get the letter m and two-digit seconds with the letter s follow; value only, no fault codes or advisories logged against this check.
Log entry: 11h23
